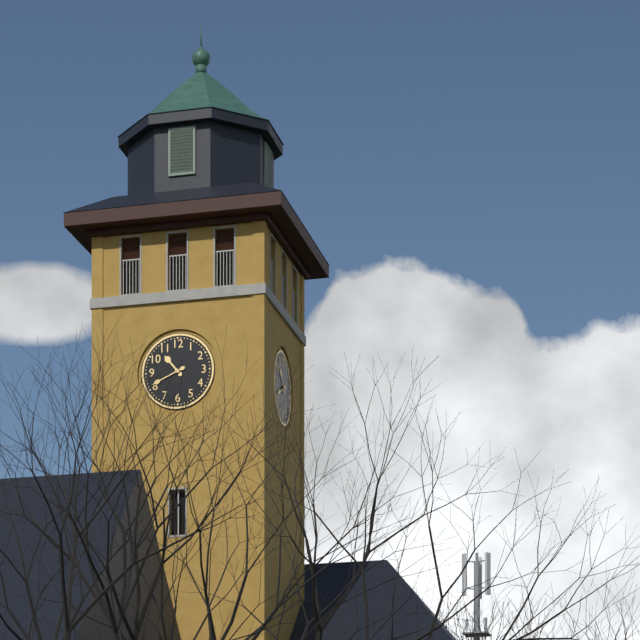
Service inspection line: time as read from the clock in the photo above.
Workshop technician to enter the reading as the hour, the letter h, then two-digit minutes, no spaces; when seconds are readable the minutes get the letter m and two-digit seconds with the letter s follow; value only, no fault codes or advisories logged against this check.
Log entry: 10h41
